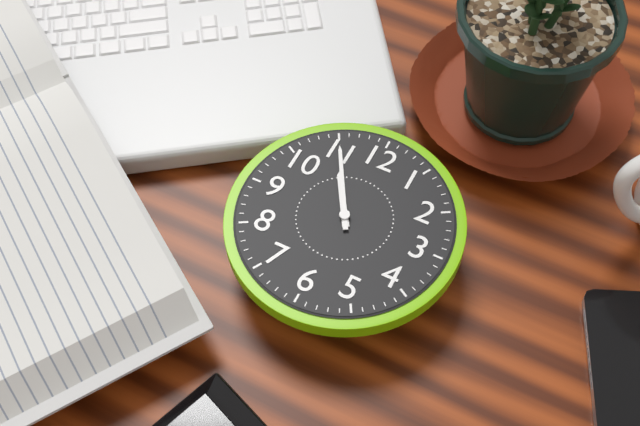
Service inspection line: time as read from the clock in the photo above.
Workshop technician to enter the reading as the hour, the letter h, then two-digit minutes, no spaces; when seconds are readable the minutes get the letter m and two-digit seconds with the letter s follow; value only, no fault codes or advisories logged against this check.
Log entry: 10h55
